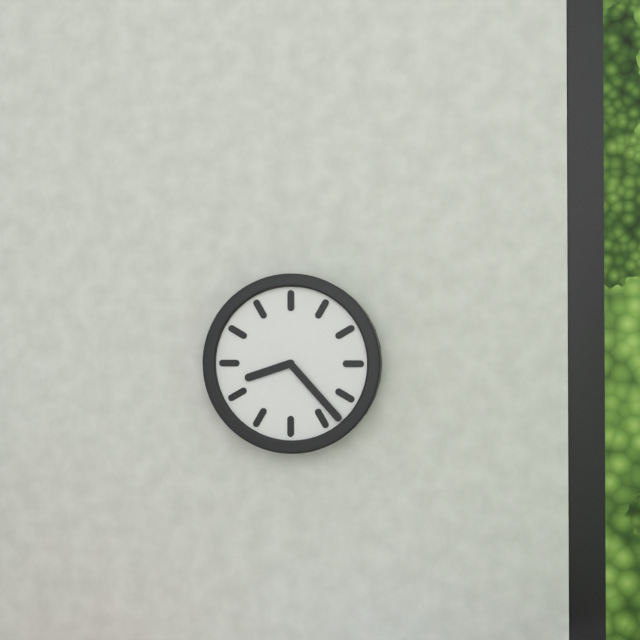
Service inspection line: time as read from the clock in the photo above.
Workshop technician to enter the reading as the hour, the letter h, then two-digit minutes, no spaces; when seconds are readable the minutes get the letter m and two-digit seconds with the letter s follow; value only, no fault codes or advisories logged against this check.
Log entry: 8h23
